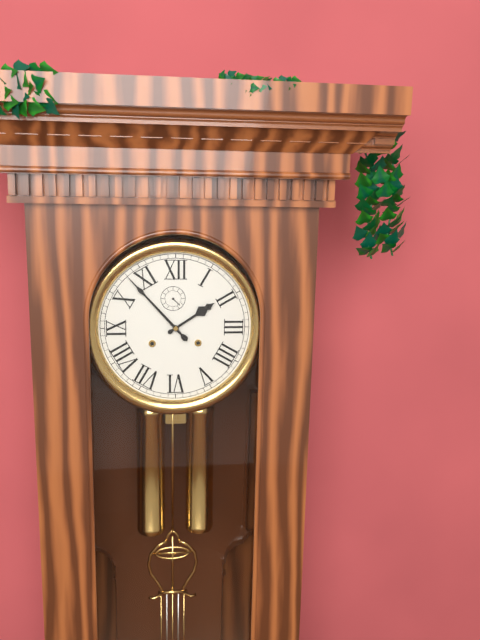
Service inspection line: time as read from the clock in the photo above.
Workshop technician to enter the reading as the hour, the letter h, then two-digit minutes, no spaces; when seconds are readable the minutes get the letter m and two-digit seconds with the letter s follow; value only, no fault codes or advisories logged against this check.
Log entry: 1h53
